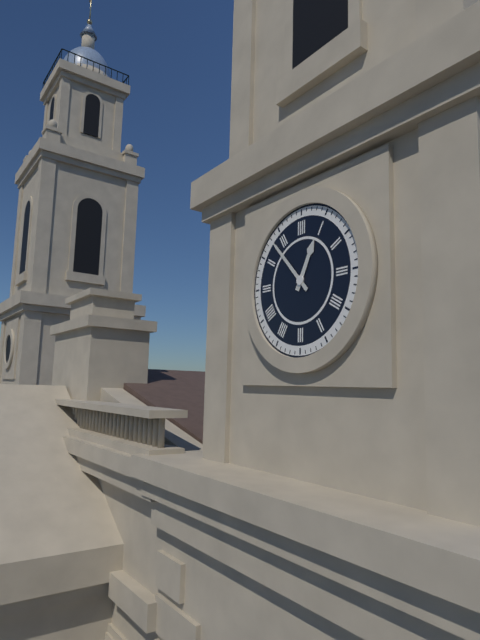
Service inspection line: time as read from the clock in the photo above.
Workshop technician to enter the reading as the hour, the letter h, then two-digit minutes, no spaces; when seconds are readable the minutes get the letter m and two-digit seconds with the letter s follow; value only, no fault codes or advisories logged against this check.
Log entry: 12h53
